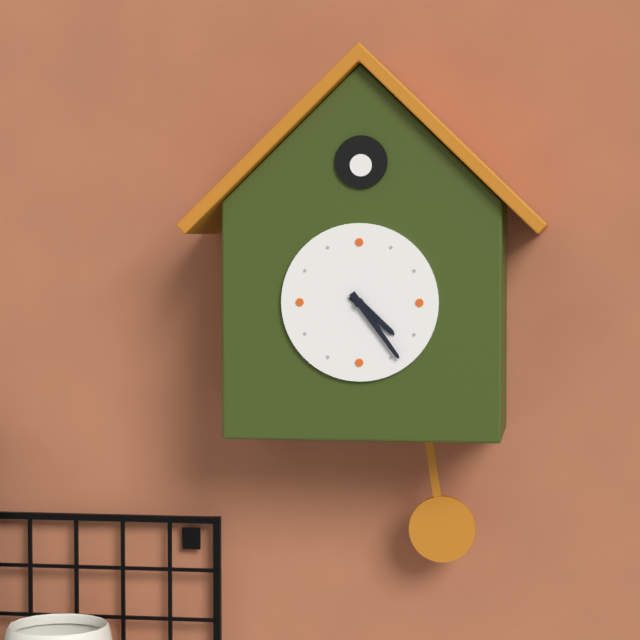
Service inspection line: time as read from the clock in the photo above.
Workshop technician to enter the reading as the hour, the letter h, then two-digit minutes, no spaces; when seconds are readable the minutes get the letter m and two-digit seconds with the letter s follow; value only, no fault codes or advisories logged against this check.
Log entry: 4h24
